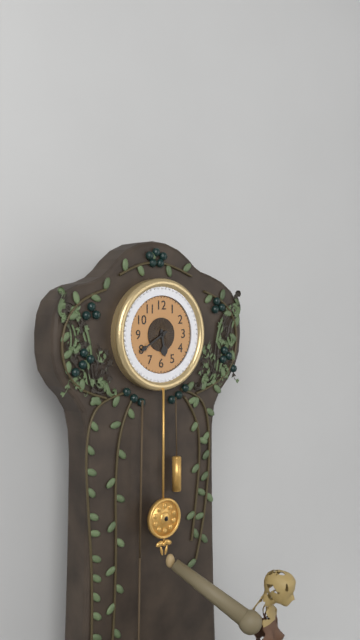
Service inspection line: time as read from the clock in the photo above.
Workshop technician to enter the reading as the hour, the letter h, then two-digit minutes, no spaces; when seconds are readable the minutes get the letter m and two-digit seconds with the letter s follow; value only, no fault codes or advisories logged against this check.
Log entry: 5h40
